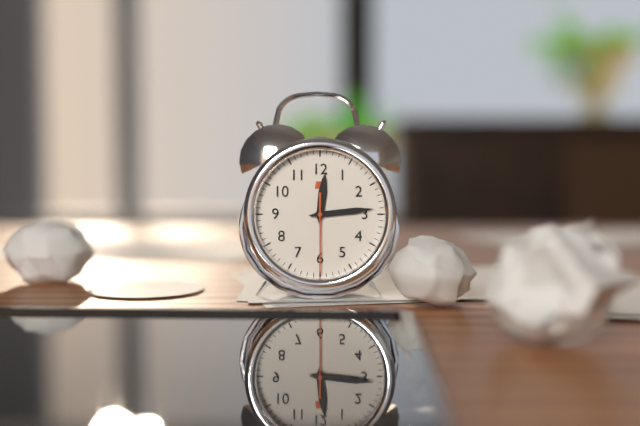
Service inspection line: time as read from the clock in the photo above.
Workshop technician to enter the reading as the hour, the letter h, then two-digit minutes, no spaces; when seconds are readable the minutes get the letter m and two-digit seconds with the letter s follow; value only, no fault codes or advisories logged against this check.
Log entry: 12h14m30s
